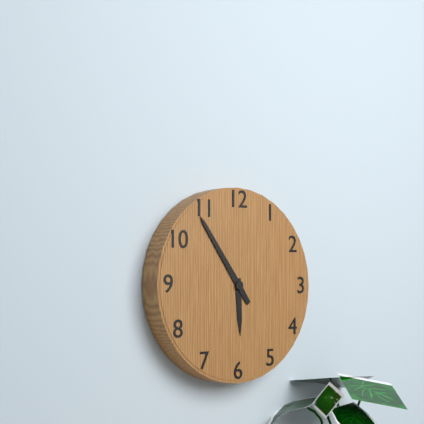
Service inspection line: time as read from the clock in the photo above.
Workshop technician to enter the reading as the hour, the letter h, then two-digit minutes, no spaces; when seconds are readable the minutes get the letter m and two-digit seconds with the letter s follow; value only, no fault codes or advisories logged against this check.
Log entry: 5h54
